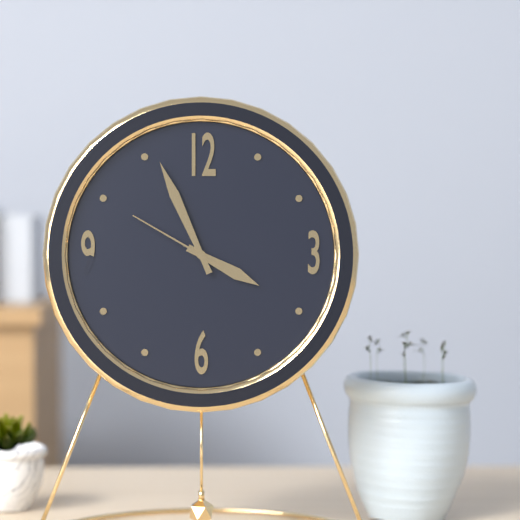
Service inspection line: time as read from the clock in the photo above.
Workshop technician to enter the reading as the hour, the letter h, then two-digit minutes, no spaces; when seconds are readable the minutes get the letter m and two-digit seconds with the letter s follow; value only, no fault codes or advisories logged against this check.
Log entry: 3h56m50s
